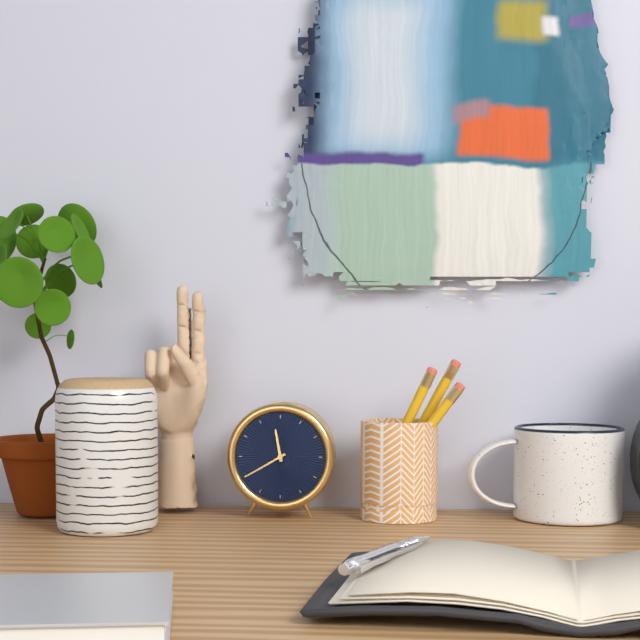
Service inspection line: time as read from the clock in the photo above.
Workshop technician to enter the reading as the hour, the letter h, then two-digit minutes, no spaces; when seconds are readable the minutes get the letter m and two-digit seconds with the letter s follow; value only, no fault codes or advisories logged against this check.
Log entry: 11h40
